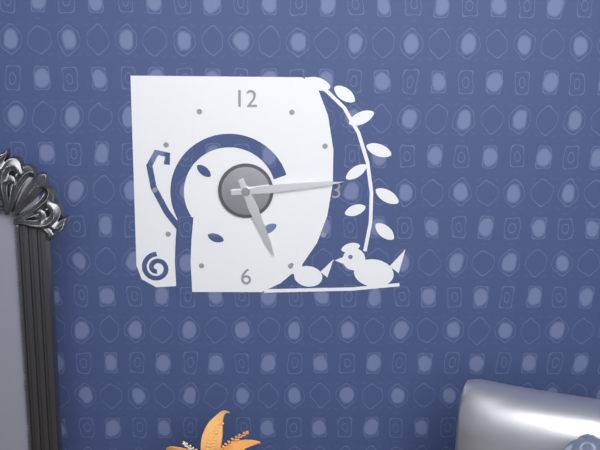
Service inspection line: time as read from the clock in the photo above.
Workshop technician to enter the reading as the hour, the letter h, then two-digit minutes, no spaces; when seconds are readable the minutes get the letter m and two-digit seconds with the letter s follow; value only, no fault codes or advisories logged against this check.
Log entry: 5h14
